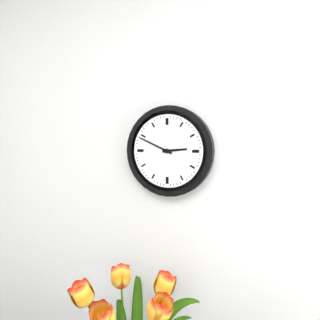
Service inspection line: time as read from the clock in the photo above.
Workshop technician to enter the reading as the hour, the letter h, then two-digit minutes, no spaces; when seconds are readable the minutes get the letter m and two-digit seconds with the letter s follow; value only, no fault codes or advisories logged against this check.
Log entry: 2h49
